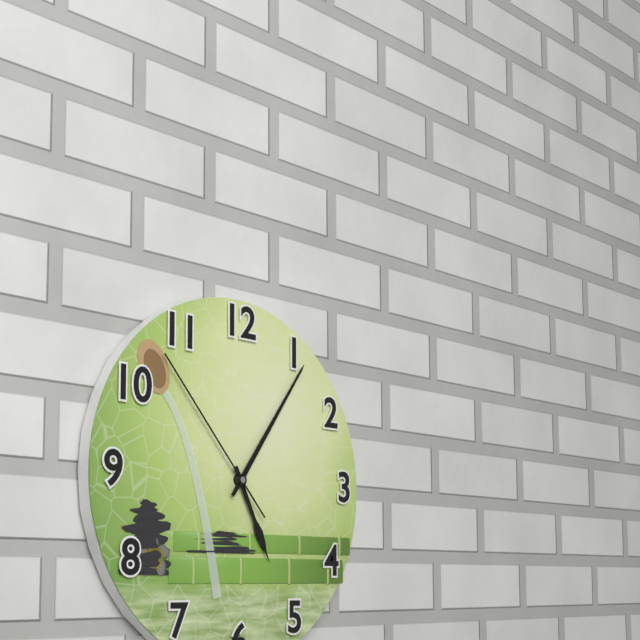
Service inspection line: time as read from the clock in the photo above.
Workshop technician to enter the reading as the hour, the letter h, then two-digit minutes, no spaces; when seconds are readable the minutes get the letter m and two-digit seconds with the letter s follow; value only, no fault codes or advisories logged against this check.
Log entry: 5h06m53s
